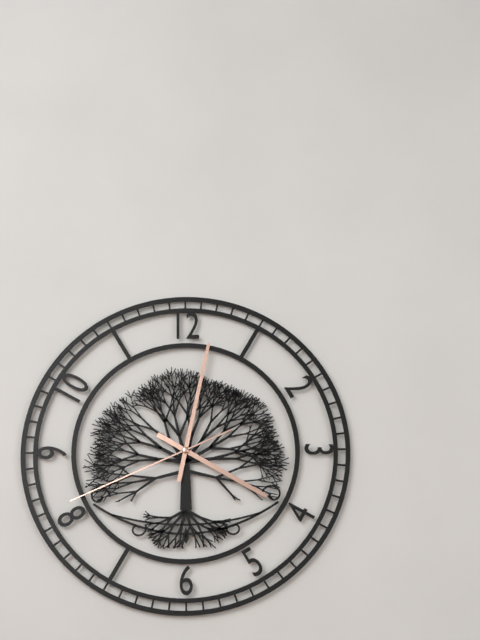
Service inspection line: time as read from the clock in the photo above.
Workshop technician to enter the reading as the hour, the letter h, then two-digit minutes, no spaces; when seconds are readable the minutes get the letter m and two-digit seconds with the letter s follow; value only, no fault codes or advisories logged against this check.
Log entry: 4h02m41s
